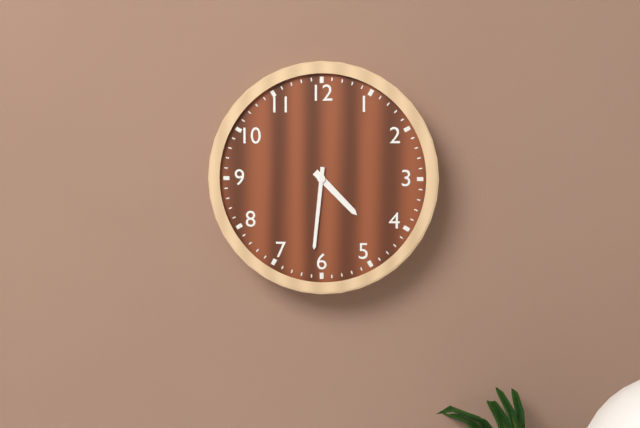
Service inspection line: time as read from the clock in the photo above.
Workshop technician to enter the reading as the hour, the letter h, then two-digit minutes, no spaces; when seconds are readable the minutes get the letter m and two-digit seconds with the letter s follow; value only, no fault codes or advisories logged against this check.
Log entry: 4h31
